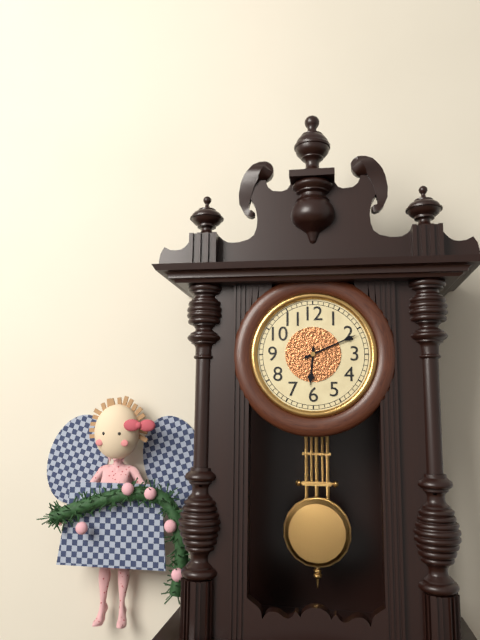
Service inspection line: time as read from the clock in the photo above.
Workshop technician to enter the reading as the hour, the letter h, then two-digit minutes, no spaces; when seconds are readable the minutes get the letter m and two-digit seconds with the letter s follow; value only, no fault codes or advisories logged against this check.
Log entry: 6h11
